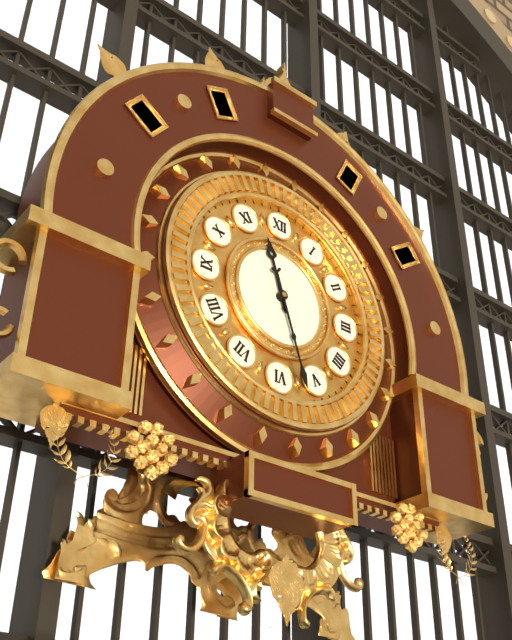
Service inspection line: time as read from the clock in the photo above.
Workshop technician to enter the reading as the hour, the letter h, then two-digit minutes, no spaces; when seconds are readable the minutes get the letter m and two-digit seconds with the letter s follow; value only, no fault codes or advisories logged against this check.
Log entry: 11h27
